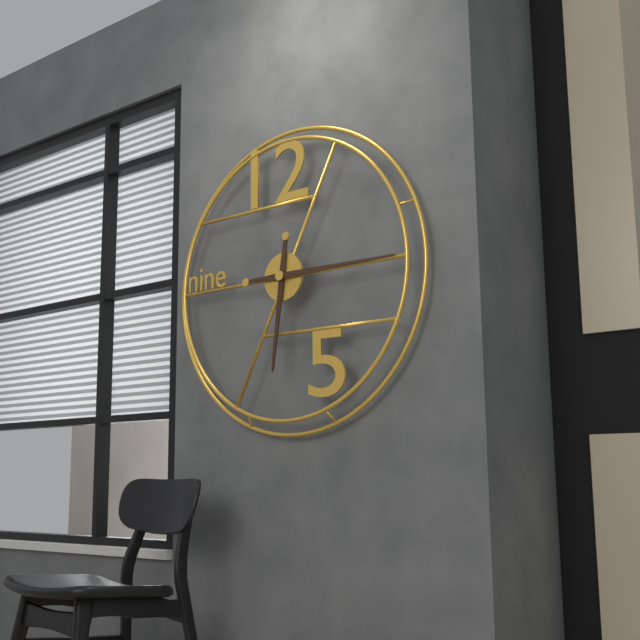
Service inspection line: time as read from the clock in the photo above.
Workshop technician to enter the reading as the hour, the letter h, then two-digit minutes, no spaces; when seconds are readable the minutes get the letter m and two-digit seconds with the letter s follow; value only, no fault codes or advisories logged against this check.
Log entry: 6h15
